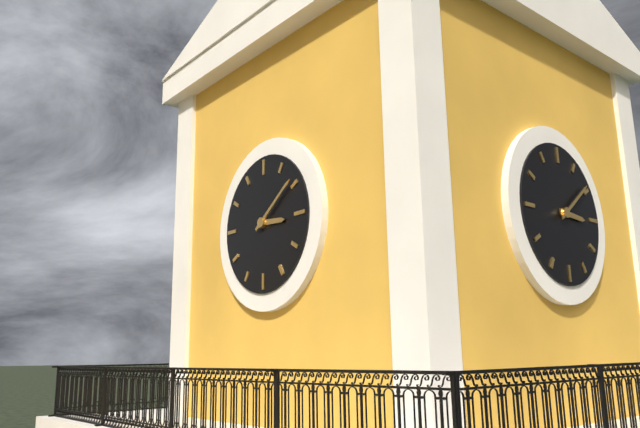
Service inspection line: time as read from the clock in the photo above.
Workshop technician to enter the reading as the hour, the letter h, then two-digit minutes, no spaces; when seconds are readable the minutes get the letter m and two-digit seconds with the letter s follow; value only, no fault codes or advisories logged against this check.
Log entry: 3h09
